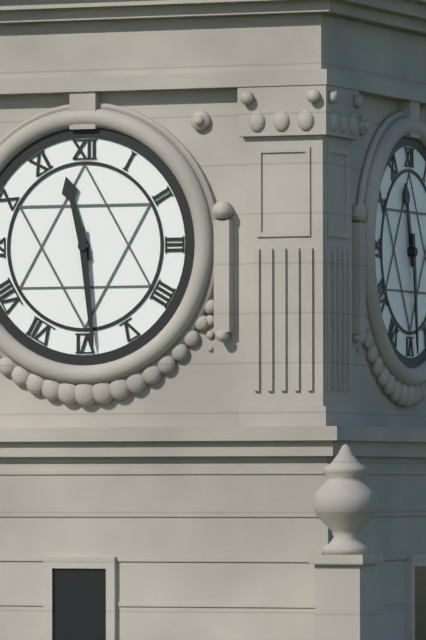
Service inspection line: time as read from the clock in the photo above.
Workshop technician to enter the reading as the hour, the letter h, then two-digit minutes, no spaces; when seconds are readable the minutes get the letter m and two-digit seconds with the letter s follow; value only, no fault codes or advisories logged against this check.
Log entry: 11h29
